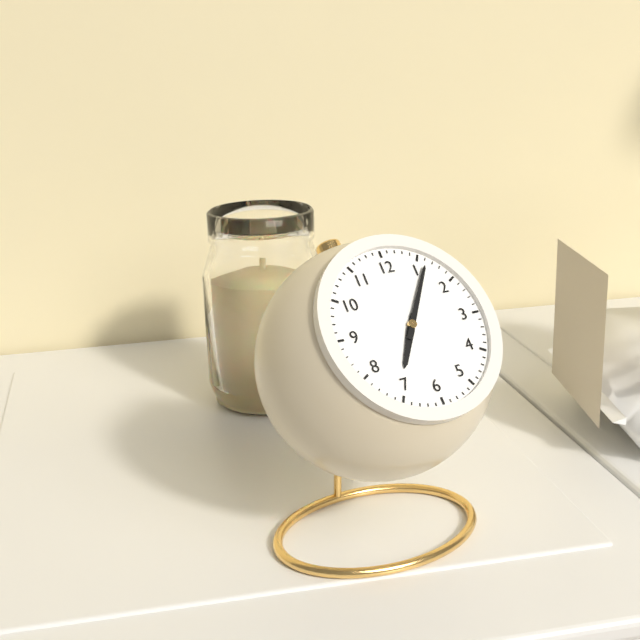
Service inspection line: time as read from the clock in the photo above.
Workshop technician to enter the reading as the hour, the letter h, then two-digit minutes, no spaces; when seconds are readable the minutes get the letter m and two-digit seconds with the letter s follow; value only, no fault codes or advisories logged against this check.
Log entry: 7h06
